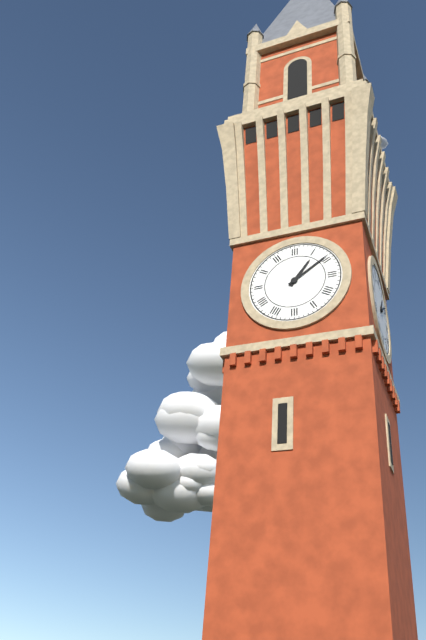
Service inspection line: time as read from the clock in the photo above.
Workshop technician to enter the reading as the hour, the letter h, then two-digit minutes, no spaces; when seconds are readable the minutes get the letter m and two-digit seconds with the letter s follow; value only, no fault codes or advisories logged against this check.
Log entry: 1h09
